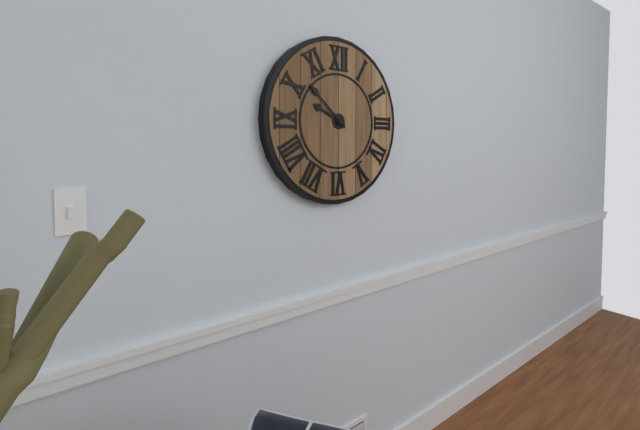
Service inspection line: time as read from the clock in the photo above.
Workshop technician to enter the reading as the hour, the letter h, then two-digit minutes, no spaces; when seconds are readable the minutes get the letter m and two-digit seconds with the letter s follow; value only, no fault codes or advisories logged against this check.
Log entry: 9h52
